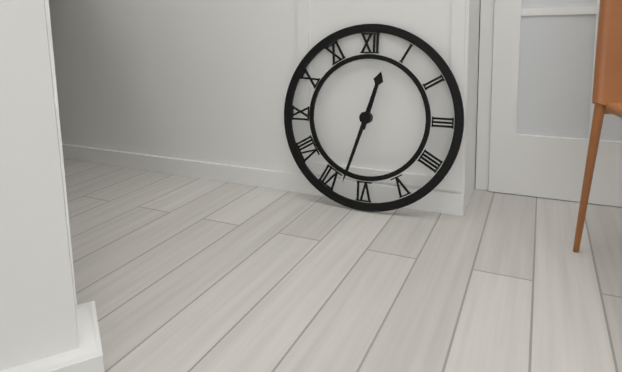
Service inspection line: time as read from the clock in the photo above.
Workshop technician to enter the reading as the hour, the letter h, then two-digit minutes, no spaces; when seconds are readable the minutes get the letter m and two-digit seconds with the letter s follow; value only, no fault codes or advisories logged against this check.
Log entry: 12h33
